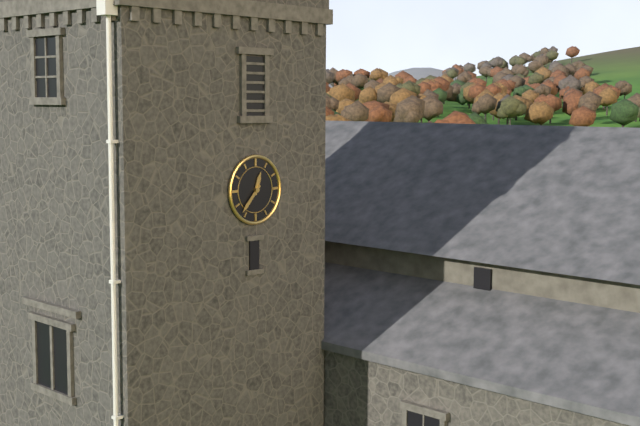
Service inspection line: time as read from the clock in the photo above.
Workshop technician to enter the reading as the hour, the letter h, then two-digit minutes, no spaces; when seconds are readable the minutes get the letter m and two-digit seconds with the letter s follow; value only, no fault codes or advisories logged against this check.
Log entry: 12h37
